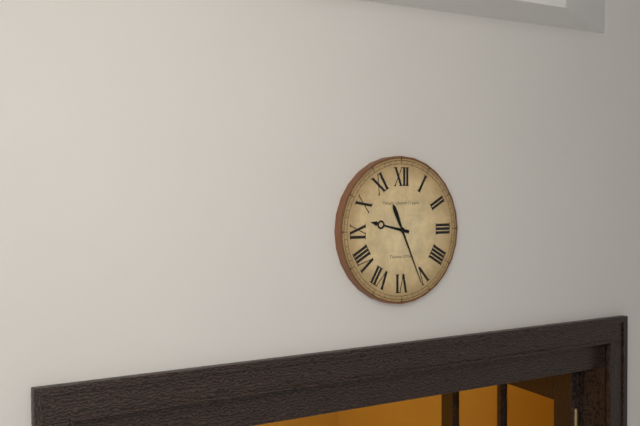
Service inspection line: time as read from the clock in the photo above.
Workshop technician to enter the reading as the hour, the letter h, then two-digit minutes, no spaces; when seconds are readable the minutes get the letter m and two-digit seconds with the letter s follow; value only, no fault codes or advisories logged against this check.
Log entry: 9h26
